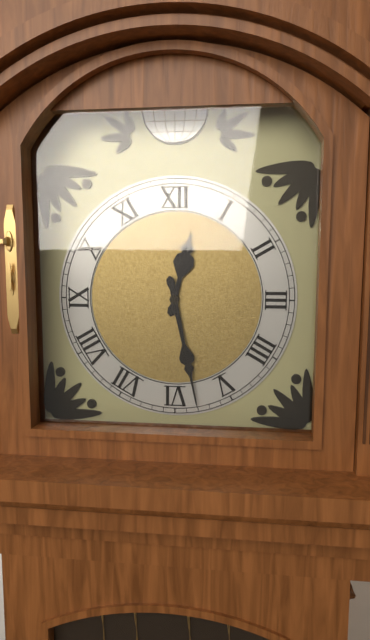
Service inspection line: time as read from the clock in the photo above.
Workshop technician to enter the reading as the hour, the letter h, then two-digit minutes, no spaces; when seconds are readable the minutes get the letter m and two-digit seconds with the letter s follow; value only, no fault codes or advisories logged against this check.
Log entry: 12h28
